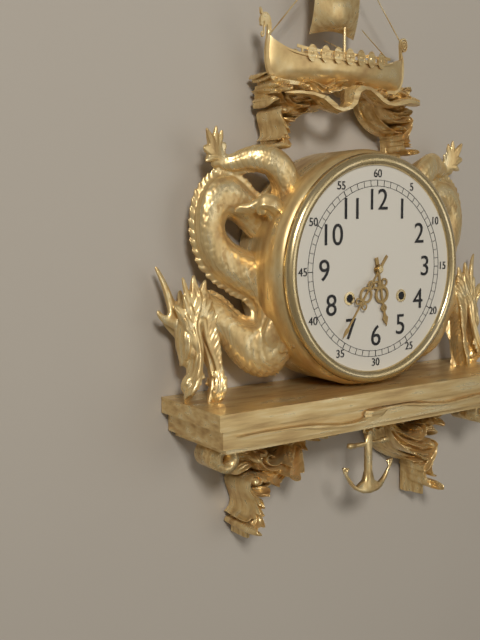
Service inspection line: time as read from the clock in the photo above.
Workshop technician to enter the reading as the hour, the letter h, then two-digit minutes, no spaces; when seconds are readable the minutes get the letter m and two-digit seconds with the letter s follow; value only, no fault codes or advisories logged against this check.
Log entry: 5h36
